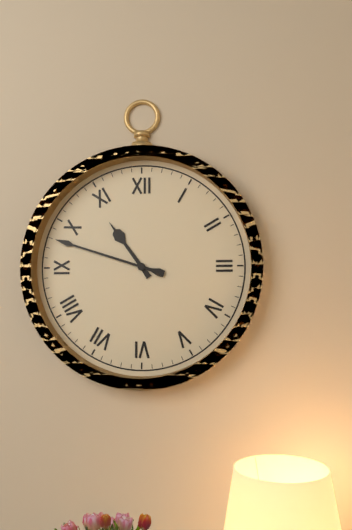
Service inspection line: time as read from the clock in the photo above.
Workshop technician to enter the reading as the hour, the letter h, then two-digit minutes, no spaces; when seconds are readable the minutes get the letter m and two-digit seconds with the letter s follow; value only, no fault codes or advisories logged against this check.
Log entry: 10h48
